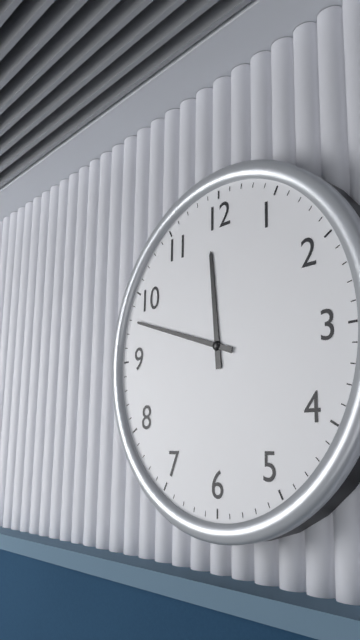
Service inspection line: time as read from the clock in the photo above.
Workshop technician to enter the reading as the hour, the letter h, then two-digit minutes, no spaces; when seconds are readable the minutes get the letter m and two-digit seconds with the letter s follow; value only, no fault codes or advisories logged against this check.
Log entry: 11h48
